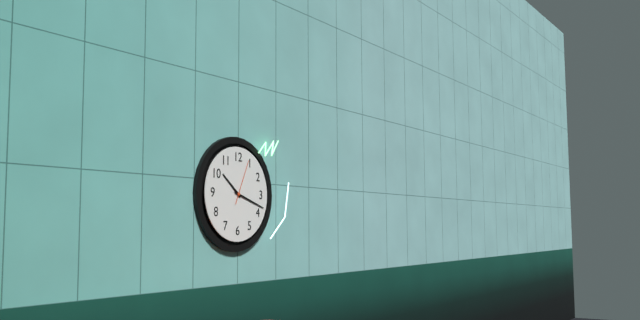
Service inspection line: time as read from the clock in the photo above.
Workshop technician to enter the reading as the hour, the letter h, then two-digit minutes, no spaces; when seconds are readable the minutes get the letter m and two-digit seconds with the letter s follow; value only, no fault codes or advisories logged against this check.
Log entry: 10h18
